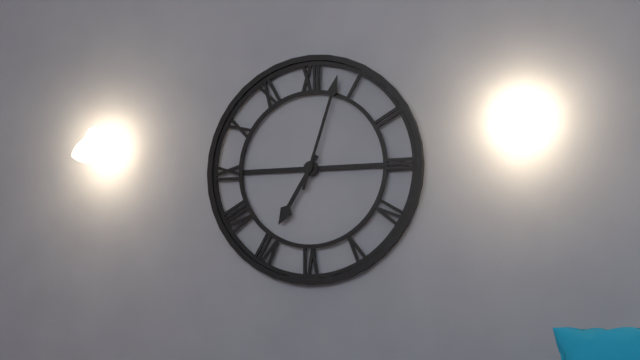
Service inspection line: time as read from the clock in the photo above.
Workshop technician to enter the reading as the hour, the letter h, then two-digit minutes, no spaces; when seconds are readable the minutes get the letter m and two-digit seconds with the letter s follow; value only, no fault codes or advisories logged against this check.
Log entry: 7h03
